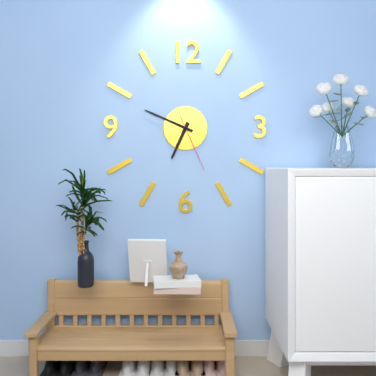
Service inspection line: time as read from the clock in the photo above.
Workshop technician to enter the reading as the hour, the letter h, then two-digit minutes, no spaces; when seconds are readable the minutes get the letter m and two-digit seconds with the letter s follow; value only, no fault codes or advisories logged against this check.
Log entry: 6h49m26s
